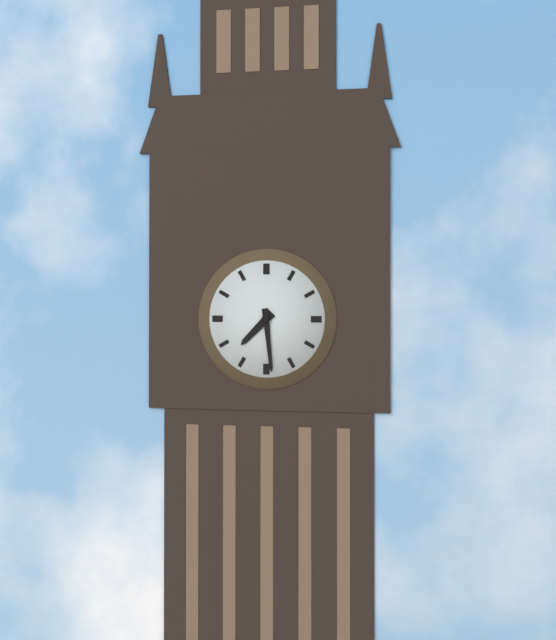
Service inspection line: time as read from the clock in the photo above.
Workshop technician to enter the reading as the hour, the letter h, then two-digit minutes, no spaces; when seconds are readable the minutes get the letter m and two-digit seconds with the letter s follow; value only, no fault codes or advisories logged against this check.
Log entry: 7h29
